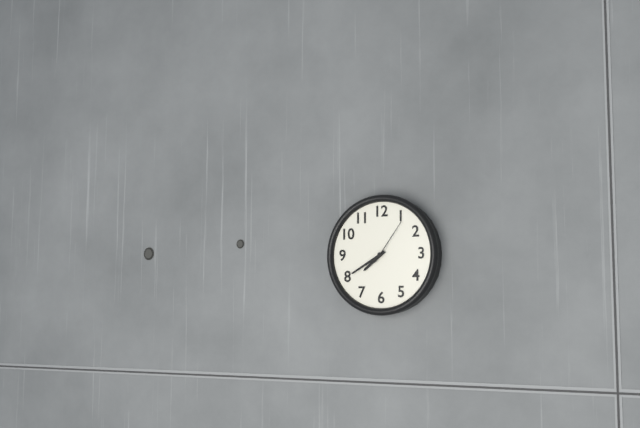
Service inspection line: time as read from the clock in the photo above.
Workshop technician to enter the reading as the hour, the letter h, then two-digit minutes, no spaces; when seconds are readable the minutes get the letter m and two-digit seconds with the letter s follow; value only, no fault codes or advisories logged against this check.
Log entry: 7h40
